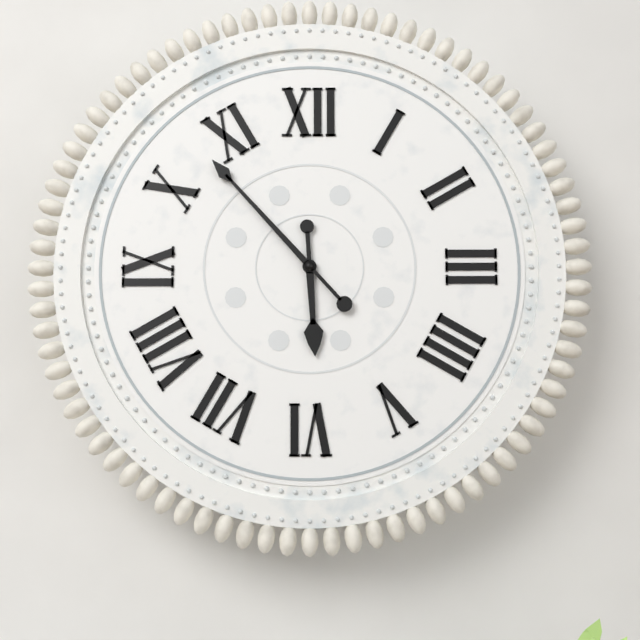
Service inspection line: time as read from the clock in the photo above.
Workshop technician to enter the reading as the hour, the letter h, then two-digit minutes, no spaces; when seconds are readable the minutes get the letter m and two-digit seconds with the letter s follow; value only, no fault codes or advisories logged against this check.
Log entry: 5h53
